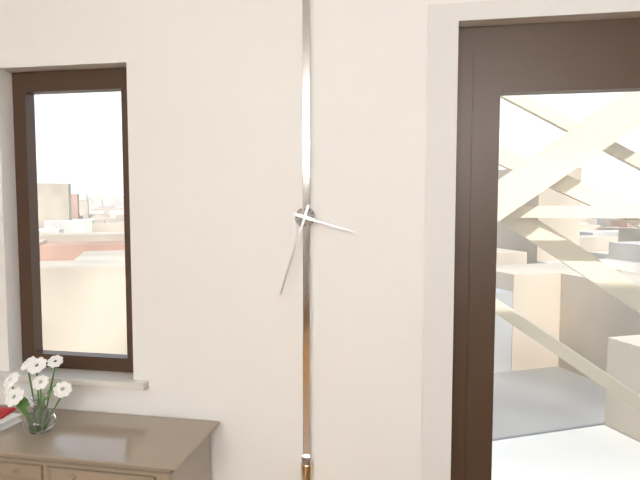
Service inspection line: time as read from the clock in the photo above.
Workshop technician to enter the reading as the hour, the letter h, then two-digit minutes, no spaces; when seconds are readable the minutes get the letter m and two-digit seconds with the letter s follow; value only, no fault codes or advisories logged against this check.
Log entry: 3h33
